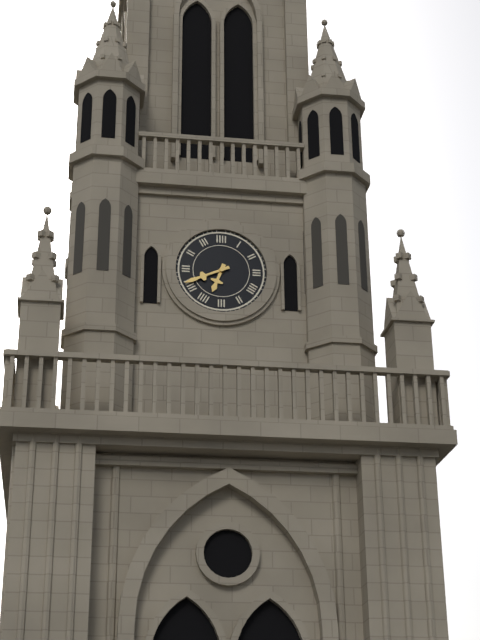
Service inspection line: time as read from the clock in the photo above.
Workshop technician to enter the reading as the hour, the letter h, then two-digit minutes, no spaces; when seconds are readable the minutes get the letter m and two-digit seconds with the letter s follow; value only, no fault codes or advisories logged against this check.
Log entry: 6h41
